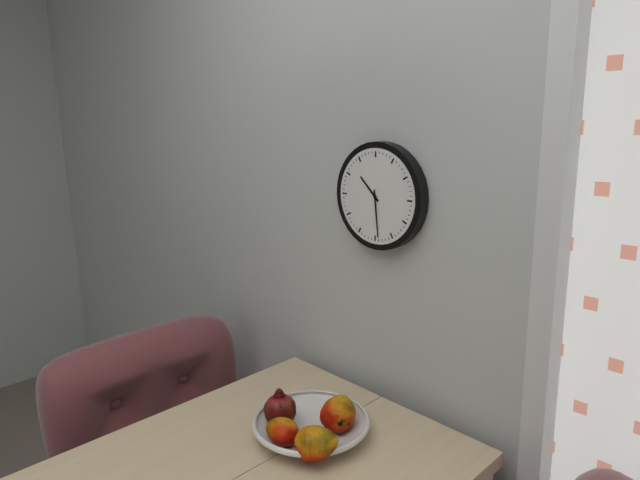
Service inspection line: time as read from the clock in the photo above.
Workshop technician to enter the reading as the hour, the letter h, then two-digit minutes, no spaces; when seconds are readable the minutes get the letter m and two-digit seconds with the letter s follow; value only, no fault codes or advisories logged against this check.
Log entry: 10h29
